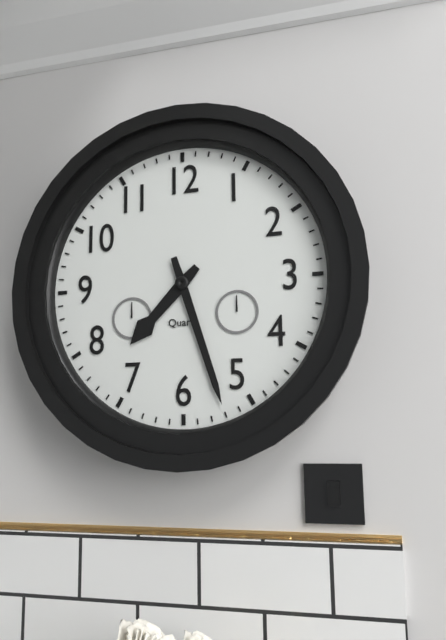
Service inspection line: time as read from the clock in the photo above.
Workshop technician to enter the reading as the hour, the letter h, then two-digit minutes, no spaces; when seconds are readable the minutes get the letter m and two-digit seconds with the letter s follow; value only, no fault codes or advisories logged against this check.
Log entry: 7h27
